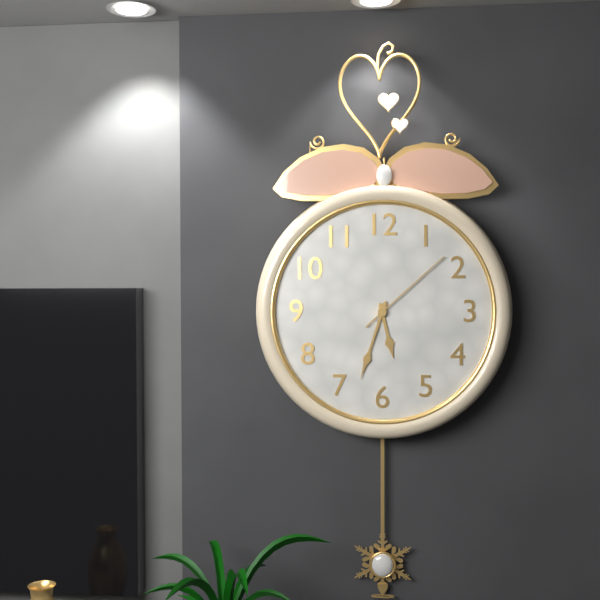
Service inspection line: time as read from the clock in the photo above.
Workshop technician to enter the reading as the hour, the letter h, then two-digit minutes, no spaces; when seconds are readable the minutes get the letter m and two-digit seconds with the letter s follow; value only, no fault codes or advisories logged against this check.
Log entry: 5h33m08s
